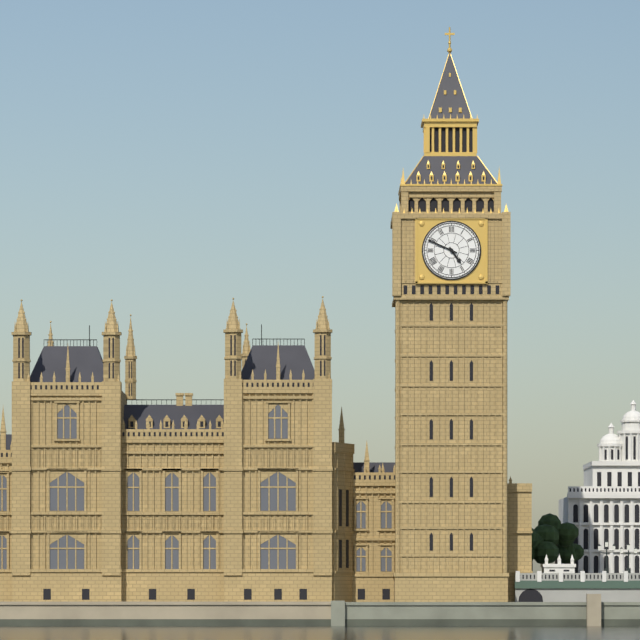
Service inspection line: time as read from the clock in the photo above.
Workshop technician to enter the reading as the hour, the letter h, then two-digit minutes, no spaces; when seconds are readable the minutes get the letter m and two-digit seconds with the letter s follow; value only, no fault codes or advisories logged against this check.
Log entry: 4h49
